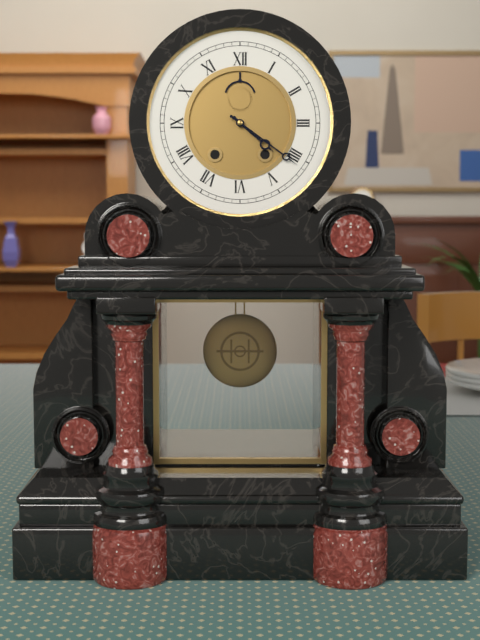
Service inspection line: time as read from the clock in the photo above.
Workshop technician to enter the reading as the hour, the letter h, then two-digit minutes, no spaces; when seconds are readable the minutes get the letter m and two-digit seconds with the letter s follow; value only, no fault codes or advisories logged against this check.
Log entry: 4h21
